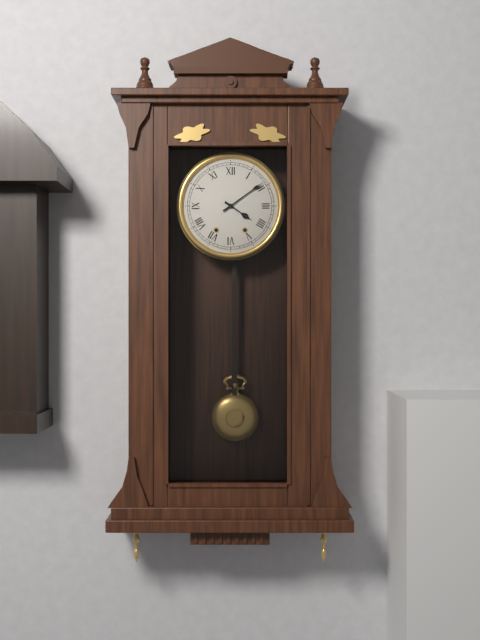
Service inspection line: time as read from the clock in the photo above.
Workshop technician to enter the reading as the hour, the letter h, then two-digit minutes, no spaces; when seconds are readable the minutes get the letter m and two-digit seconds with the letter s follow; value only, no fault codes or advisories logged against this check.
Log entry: 4h09
